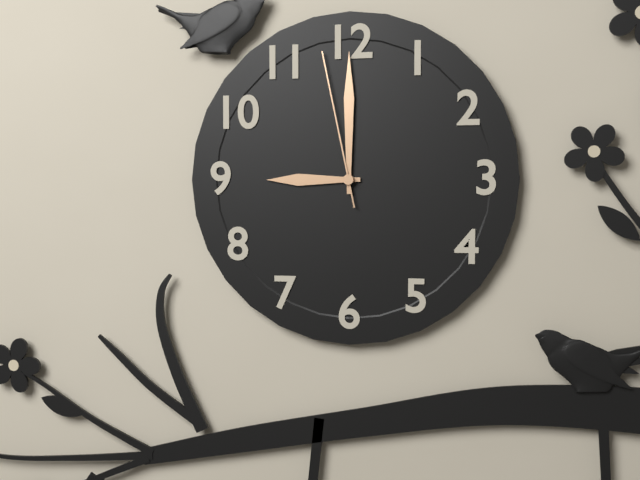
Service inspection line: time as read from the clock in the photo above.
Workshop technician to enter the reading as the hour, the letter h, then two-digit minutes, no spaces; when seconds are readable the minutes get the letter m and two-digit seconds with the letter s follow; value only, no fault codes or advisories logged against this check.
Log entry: 9h00m58s
